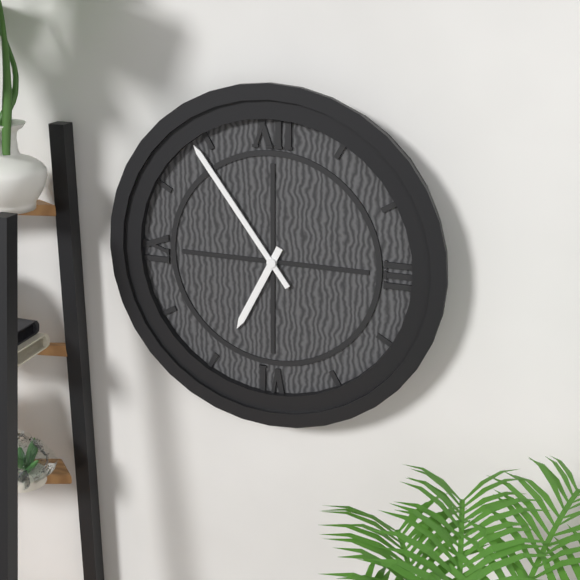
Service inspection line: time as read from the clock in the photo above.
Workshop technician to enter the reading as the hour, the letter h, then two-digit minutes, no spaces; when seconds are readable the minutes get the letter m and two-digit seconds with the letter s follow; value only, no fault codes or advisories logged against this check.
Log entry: 6h54
